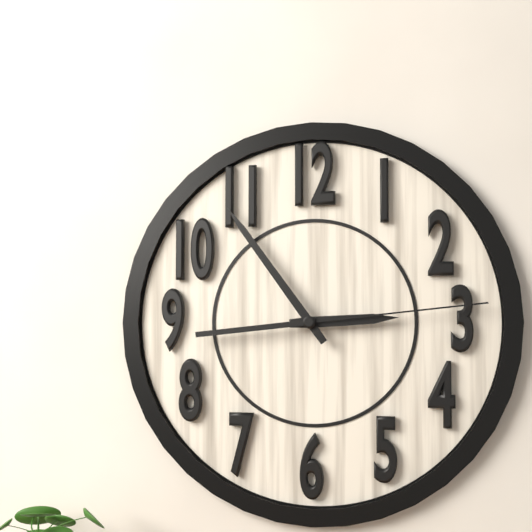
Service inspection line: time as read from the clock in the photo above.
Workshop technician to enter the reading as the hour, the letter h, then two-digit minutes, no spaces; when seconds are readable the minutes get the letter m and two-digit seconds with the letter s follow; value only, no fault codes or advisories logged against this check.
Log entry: 2h54m14s
